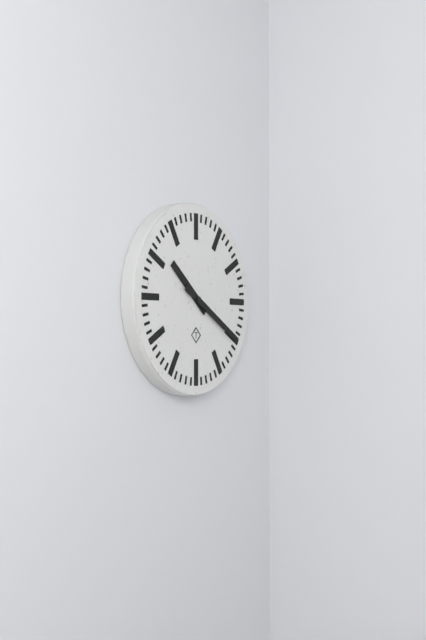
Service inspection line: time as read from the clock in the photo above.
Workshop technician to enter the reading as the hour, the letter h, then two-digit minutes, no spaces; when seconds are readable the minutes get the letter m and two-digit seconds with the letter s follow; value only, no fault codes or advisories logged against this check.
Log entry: 10h20
